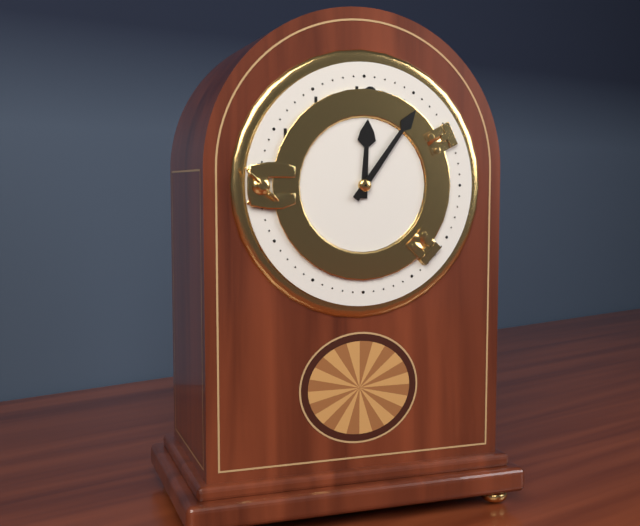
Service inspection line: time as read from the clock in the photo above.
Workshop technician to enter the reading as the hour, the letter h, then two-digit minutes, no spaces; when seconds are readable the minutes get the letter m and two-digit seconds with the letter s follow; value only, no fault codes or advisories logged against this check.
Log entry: 12h06
